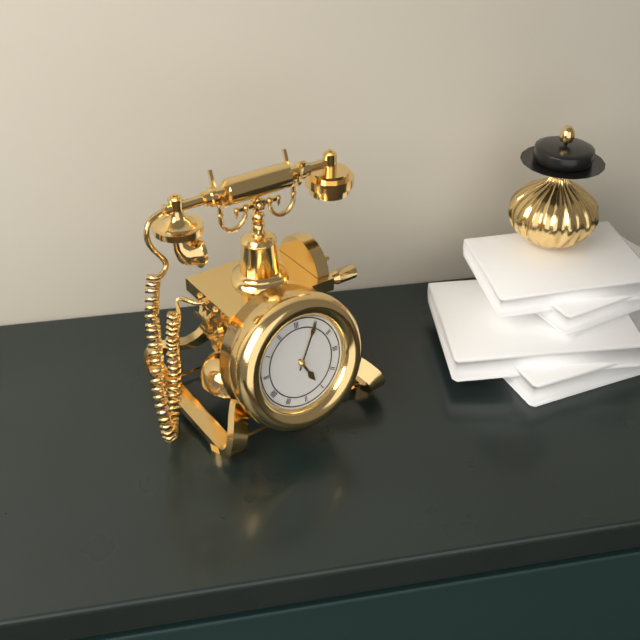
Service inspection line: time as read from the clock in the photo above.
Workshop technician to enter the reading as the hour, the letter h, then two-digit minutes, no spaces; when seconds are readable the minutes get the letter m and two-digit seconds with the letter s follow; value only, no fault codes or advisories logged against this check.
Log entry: 5h05
